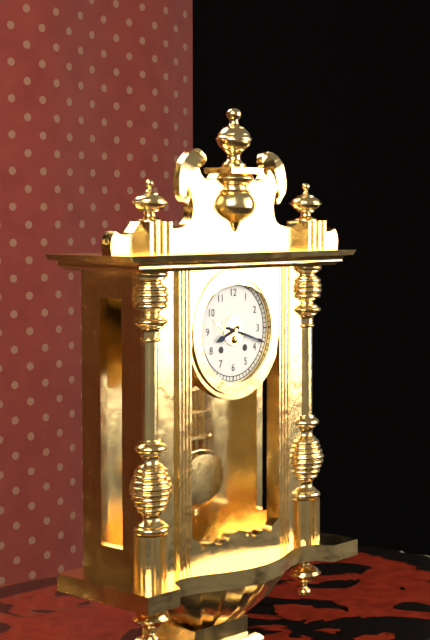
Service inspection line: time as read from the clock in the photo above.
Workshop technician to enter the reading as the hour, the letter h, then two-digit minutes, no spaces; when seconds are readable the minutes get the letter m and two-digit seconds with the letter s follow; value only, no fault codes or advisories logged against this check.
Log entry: 8h18
